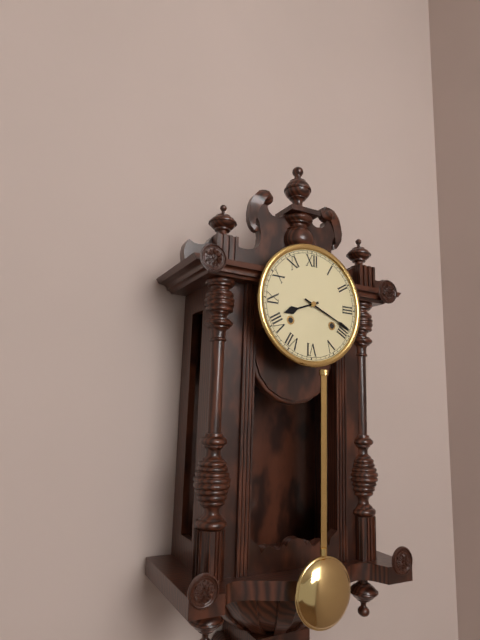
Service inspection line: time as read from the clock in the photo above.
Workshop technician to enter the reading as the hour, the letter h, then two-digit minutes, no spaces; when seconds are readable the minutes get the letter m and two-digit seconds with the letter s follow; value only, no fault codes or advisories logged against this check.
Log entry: 8h19
